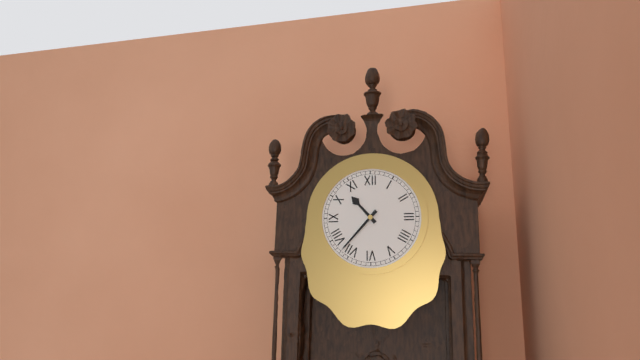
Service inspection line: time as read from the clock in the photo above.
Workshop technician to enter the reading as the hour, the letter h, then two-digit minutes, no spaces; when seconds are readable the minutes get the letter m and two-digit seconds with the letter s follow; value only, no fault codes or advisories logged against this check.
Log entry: 10h37
